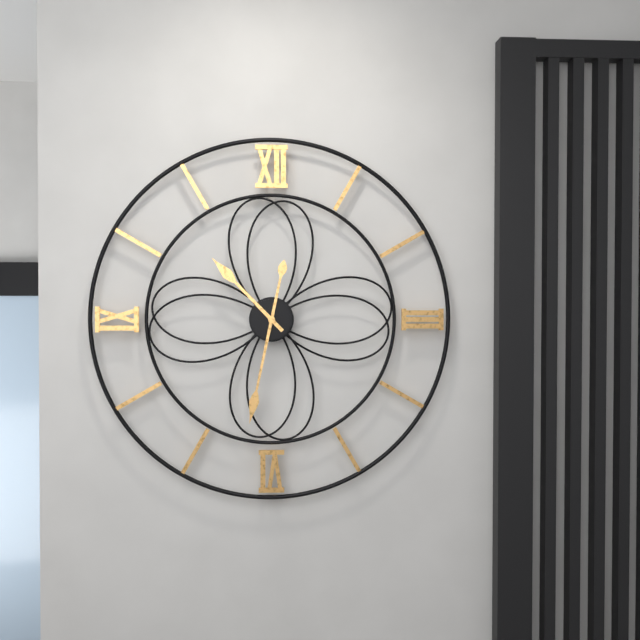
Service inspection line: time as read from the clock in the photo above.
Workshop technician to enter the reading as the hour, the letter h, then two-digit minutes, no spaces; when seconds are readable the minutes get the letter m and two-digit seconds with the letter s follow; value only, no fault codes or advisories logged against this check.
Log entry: 10h32
